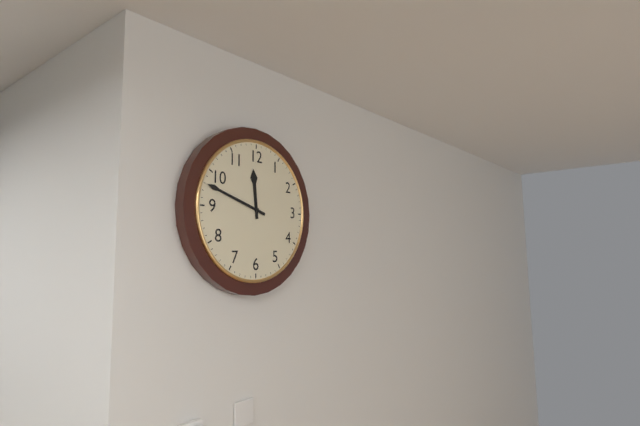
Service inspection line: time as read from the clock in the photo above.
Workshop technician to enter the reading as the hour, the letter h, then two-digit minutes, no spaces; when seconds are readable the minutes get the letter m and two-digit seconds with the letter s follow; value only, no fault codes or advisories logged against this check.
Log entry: 11h48
